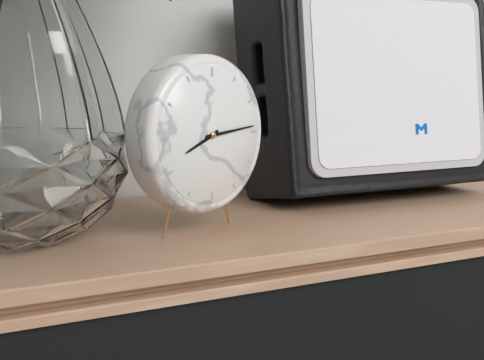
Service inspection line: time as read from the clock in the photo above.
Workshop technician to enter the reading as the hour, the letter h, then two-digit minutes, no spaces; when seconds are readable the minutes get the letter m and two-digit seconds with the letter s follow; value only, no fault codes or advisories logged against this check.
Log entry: 8h14
